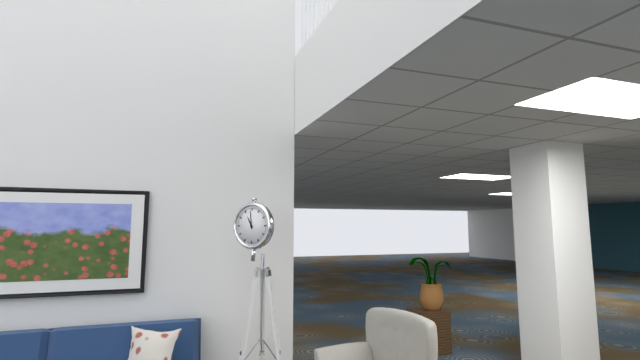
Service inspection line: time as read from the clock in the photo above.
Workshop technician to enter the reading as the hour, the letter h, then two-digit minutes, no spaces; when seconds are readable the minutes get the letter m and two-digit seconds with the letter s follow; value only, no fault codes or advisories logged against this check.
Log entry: 10h59
